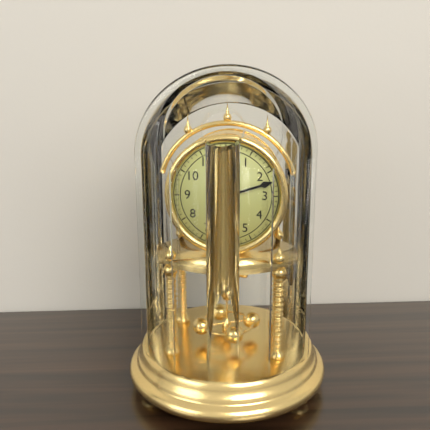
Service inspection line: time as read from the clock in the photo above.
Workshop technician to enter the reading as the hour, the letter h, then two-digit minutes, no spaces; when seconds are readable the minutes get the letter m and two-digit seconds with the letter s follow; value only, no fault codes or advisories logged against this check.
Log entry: 12h12
